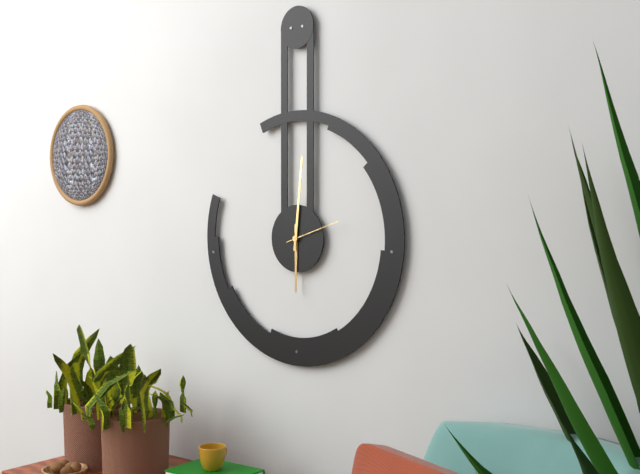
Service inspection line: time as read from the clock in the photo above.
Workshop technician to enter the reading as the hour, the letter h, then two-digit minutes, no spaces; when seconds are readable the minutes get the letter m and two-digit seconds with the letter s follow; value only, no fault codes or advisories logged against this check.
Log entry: 6h01m12s
